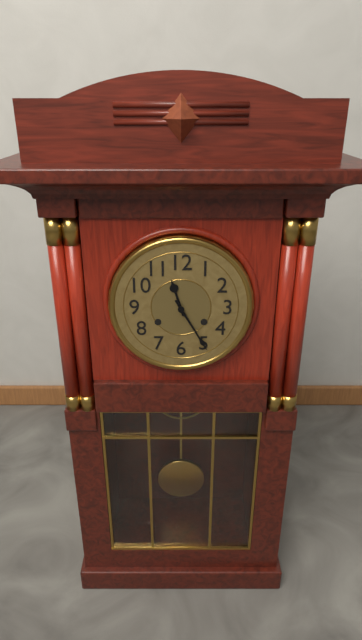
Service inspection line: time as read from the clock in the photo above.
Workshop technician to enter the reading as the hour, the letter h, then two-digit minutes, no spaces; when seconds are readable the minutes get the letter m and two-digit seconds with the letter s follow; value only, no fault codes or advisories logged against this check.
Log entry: 11h25
